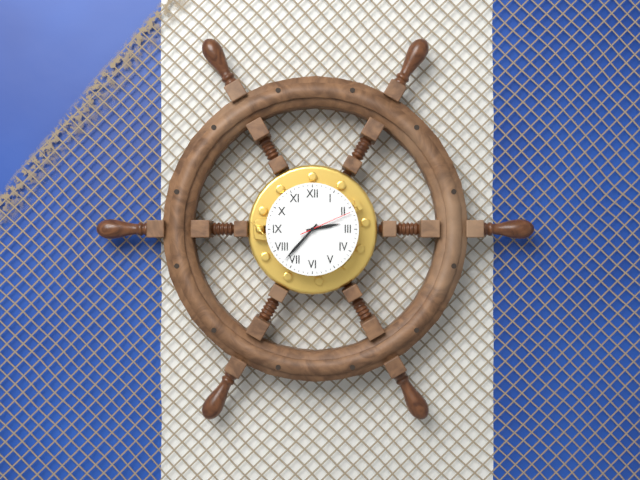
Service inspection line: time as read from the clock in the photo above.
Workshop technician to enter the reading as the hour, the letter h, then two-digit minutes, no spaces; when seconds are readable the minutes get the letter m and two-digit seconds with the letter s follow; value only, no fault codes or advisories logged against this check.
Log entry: 2h37m11s
